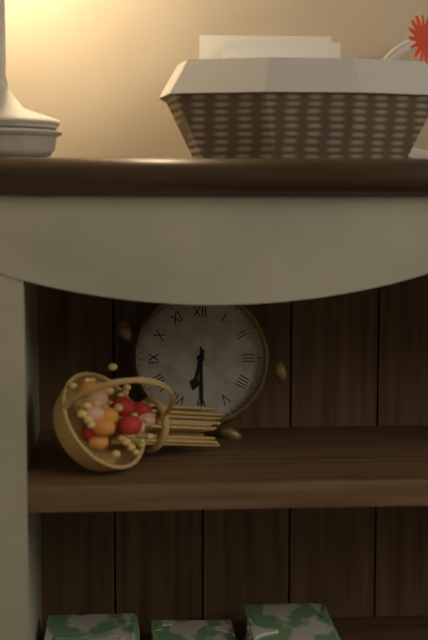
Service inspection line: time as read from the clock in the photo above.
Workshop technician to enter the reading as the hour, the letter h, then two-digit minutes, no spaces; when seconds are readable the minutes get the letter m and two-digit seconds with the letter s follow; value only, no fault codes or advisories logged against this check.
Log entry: 6h30
